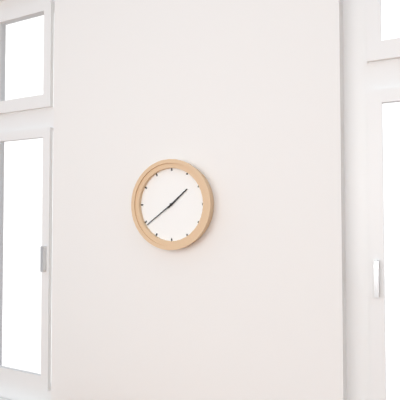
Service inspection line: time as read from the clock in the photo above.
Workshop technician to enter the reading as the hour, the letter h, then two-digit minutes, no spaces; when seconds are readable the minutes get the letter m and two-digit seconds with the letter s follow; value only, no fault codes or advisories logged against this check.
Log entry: 1h39
